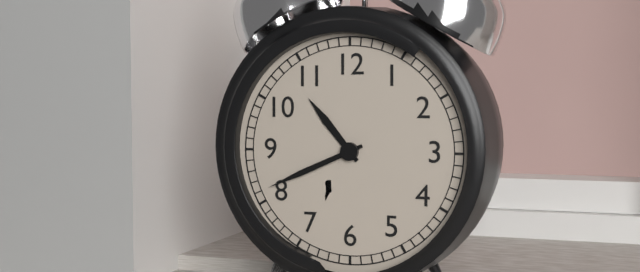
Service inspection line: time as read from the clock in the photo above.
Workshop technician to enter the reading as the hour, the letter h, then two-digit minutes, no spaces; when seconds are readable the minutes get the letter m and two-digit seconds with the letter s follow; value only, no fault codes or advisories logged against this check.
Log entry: 10h41
